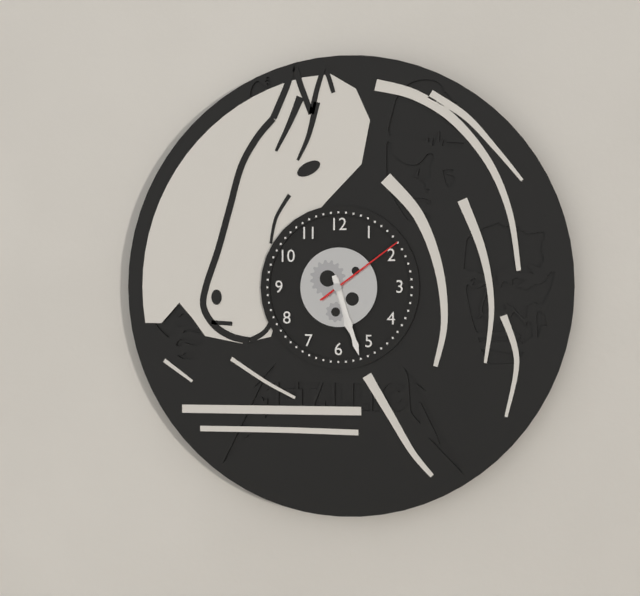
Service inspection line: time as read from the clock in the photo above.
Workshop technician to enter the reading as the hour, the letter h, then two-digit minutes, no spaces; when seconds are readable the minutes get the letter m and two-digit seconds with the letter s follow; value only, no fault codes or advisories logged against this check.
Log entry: 5h27m09s
